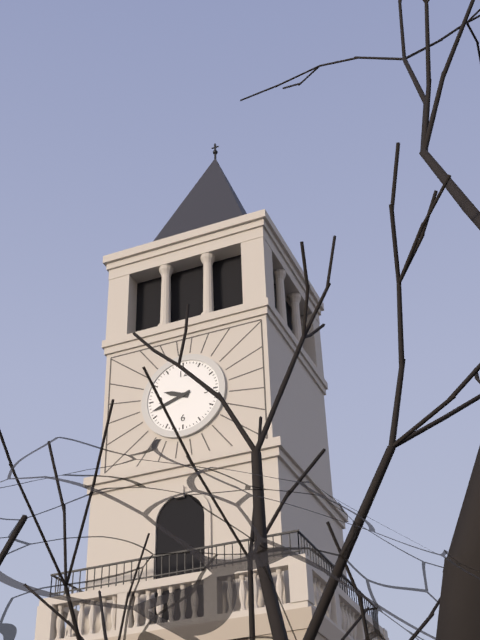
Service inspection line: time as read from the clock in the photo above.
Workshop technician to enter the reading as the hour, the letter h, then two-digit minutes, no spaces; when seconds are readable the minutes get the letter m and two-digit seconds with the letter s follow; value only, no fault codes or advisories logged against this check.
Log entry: 9h42
